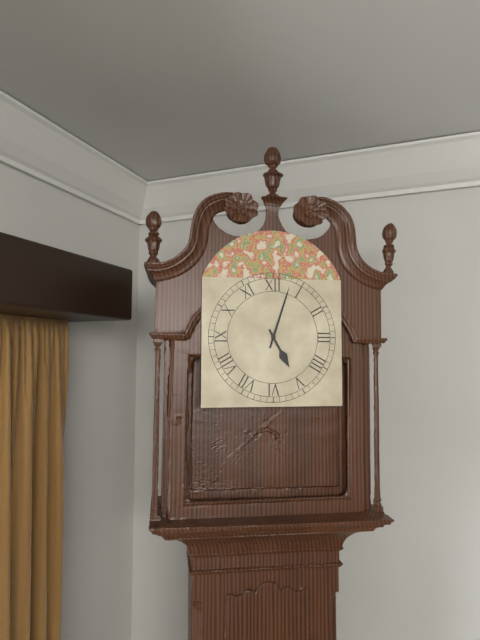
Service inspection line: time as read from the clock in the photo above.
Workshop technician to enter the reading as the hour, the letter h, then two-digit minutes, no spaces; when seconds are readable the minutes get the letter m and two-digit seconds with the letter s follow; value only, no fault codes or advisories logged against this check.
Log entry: 5h03
